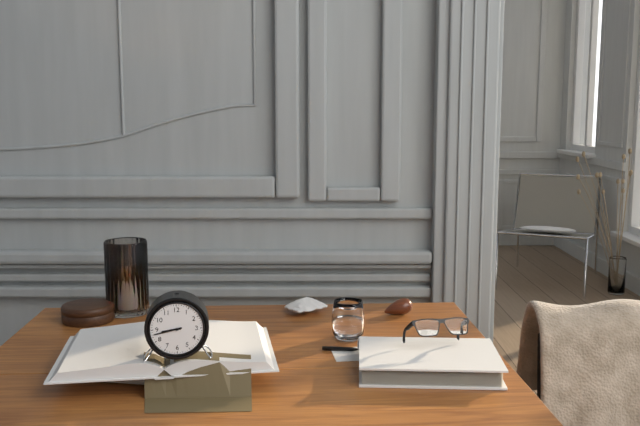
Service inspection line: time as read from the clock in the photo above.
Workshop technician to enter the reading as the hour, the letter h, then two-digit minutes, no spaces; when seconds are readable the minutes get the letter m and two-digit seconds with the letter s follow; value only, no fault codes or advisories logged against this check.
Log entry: 8h43
